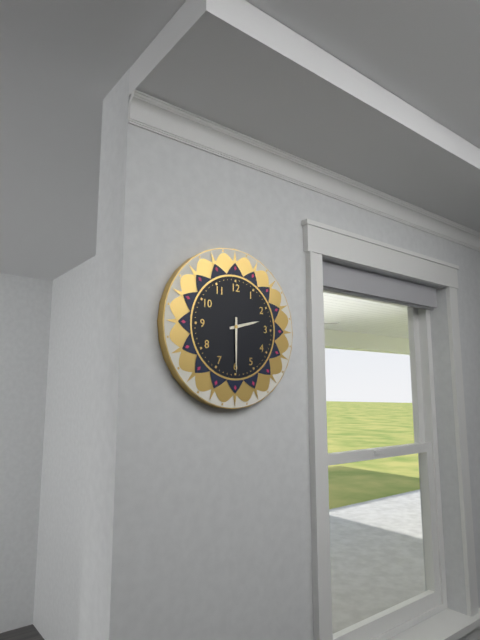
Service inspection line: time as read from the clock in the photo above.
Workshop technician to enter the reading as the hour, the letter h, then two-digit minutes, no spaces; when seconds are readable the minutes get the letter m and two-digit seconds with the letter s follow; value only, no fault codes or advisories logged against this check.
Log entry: 2h30
